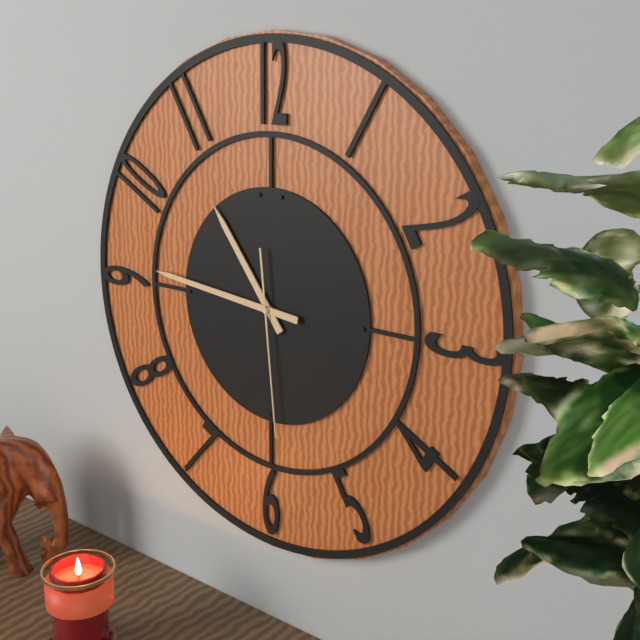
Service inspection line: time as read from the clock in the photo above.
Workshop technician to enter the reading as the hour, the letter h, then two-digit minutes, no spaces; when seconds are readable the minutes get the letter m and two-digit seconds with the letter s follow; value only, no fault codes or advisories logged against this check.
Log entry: 10h46m29s
